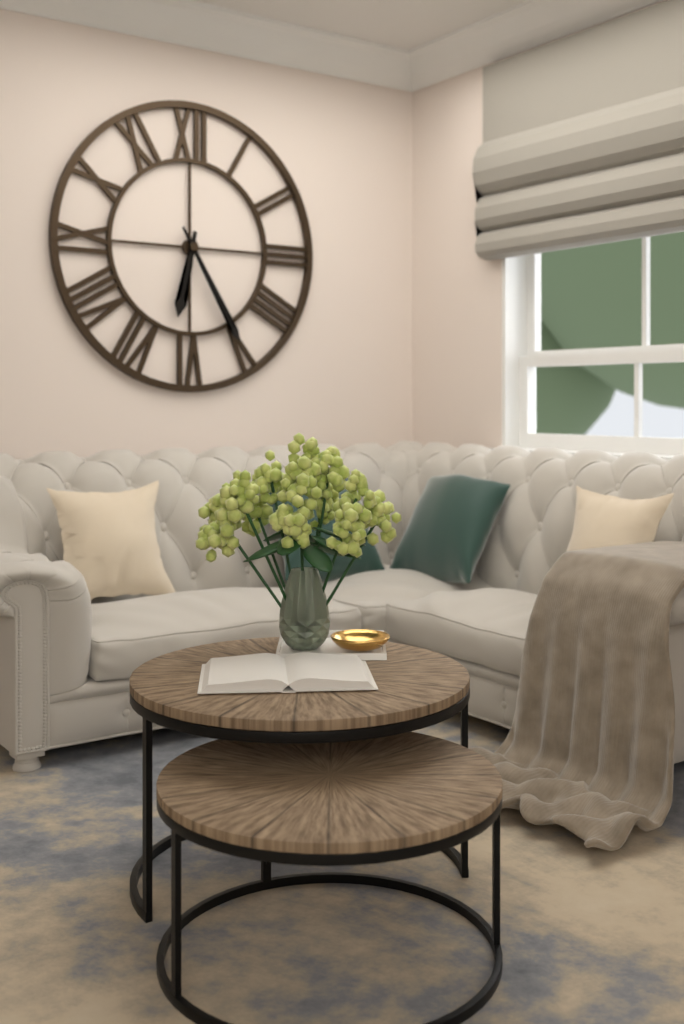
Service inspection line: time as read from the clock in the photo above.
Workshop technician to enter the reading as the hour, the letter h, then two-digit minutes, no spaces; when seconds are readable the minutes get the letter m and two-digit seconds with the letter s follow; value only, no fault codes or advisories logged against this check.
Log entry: 6h25
